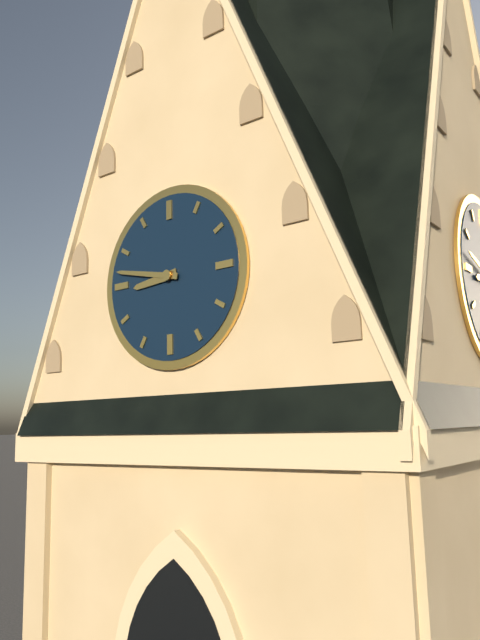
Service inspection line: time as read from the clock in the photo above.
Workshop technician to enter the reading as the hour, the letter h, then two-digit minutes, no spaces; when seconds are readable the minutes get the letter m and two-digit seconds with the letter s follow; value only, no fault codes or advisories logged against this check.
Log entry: 8h47
